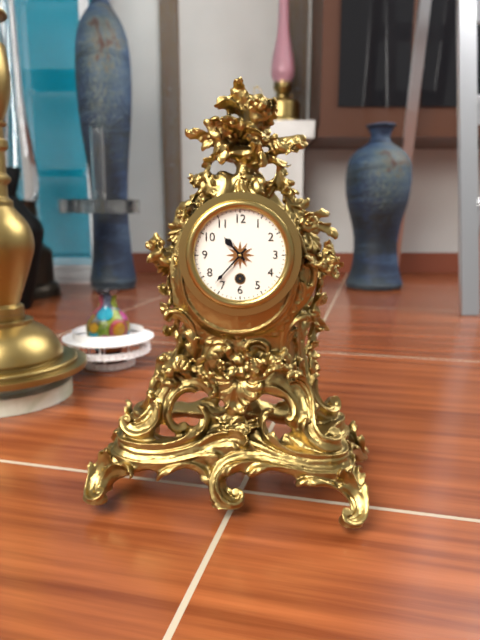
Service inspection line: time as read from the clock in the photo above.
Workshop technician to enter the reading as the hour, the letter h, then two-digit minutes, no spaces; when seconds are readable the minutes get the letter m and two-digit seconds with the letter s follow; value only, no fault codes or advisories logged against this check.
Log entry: 10h37
